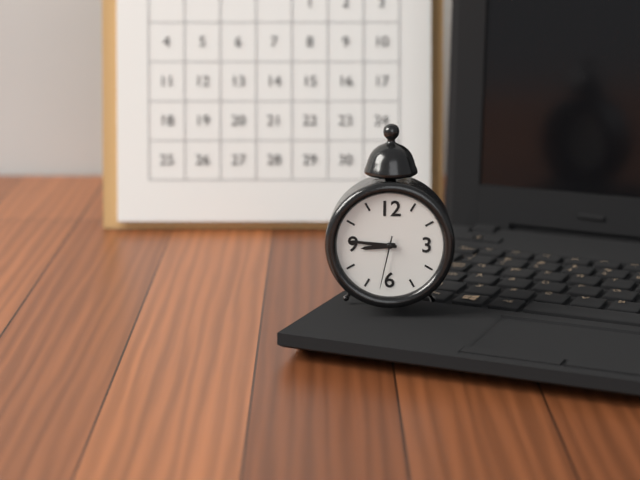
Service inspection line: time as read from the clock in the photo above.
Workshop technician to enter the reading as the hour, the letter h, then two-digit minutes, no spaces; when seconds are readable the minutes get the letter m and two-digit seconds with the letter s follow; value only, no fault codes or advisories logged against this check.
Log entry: 8h46m32s
